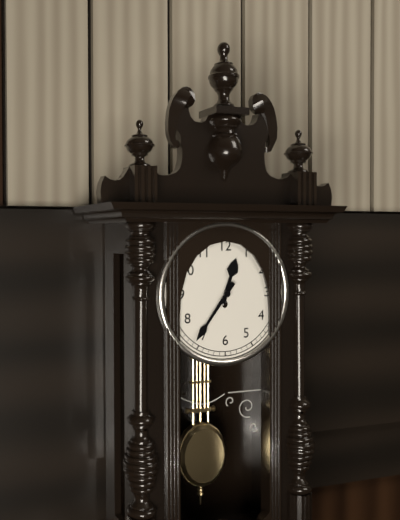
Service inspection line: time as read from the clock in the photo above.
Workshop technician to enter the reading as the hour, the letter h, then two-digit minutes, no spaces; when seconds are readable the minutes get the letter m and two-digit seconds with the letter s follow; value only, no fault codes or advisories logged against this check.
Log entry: 12h36
